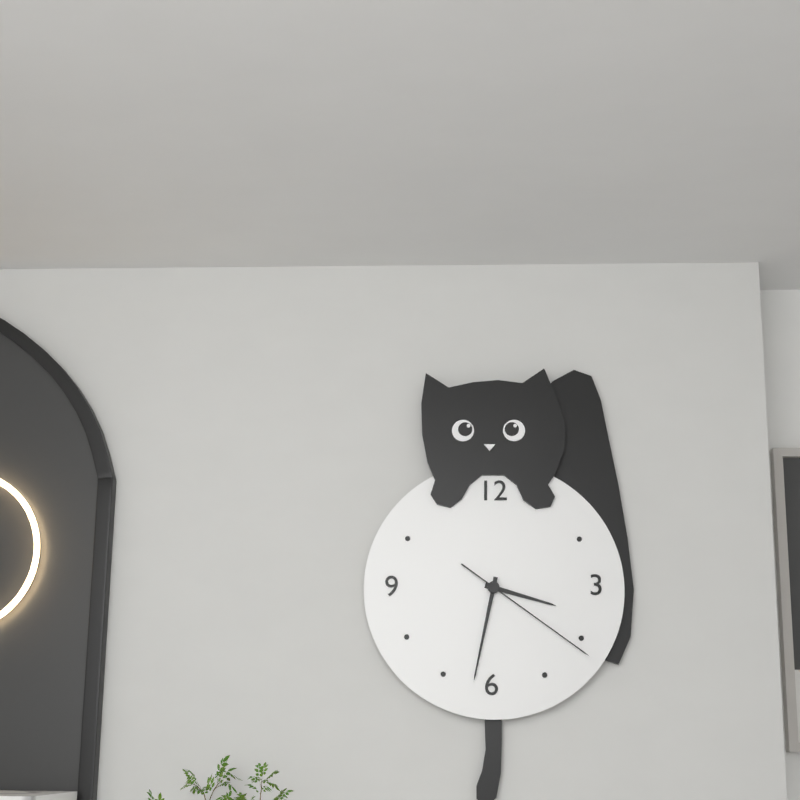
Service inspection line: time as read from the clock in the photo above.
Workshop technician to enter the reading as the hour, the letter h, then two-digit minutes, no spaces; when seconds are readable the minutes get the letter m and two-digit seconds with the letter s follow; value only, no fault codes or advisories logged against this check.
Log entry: 3h32m21s
